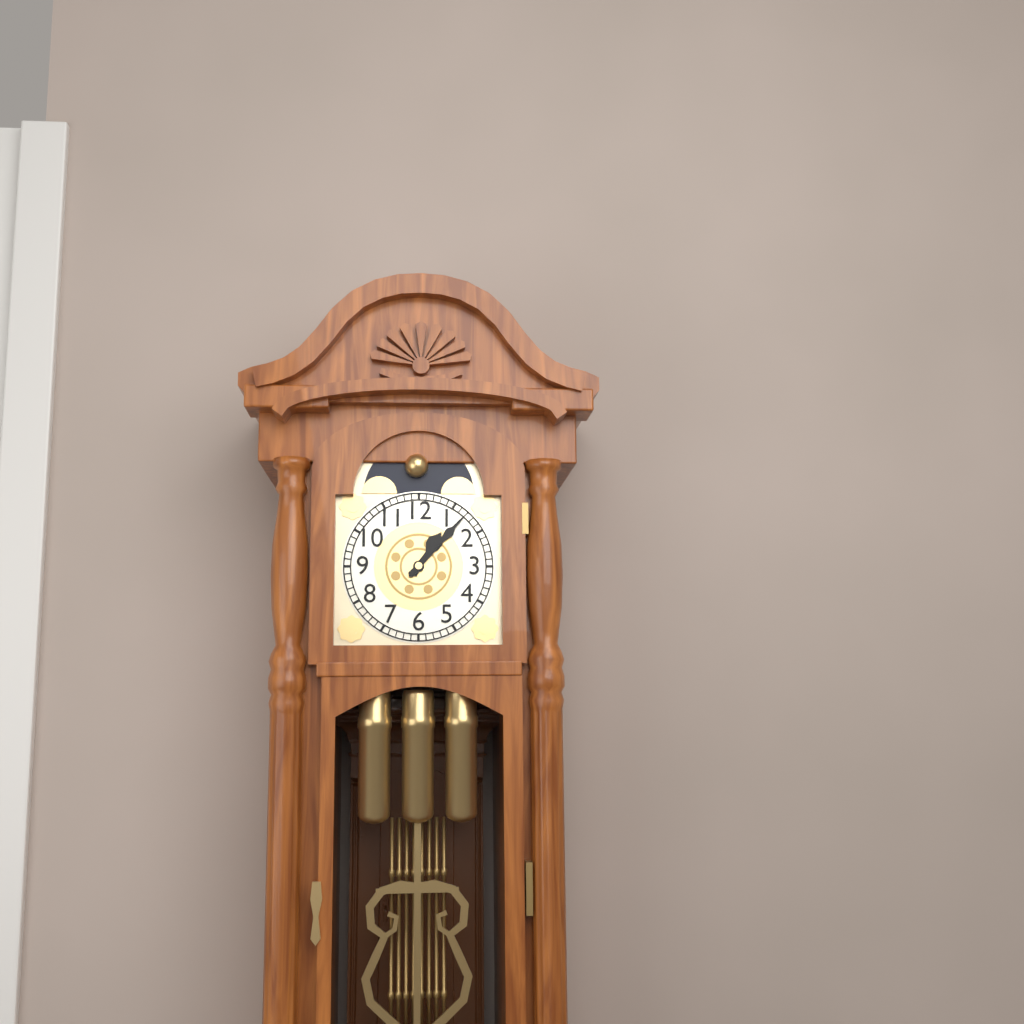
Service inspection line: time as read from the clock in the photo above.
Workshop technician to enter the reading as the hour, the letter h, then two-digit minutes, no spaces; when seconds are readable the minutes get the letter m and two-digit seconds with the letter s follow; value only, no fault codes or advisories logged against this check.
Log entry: 1h07
